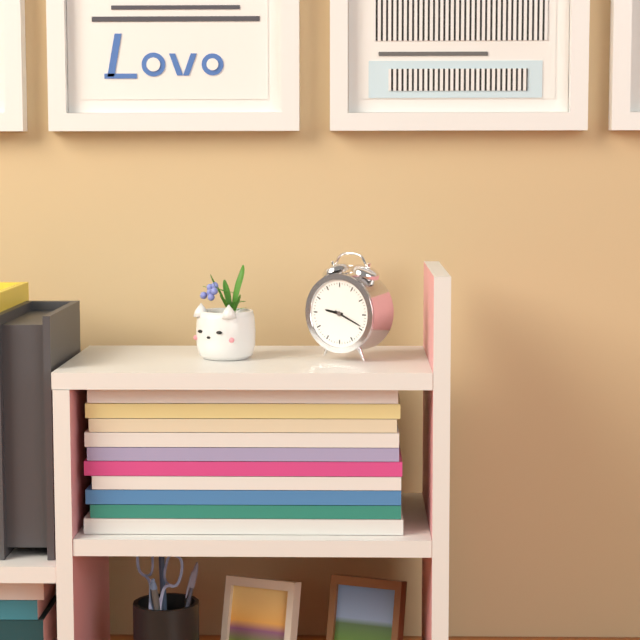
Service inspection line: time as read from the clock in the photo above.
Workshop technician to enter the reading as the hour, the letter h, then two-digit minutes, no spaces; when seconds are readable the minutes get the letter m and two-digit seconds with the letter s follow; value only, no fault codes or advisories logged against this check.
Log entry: 9h19
